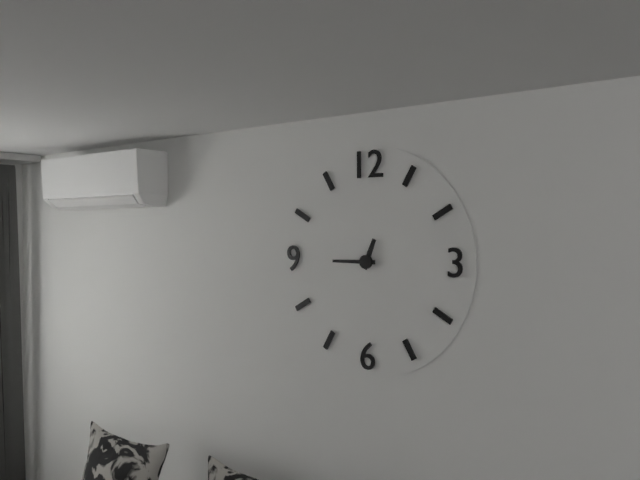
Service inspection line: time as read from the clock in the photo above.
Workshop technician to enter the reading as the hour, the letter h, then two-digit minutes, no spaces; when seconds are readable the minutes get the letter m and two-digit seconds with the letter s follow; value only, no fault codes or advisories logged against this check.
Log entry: 12h45
